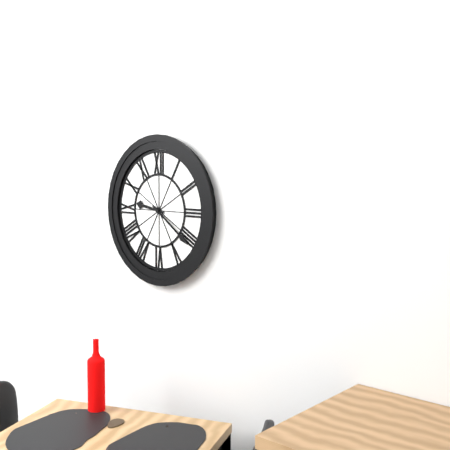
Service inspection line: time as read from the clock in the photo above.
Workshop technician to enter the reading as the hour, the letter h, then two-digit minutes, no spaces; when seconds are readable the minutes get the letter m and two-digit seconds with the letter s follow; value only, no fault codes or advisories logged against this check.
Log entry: 9h21
